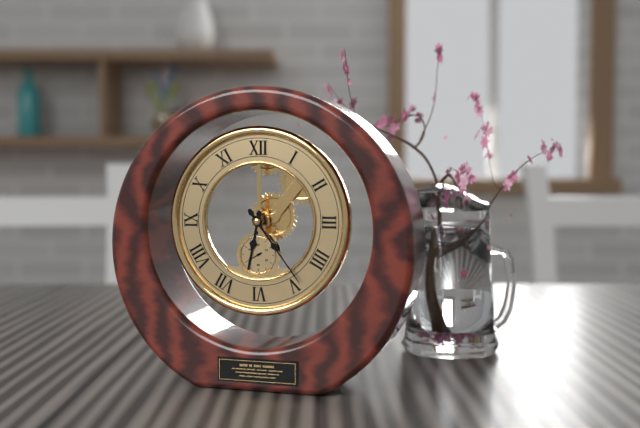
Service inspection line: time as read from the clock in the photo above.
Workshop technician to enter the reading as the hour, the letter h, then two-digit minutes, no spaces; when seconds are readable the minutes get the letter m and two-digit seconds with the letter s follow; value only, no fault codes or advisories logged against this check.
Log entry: 6h24
